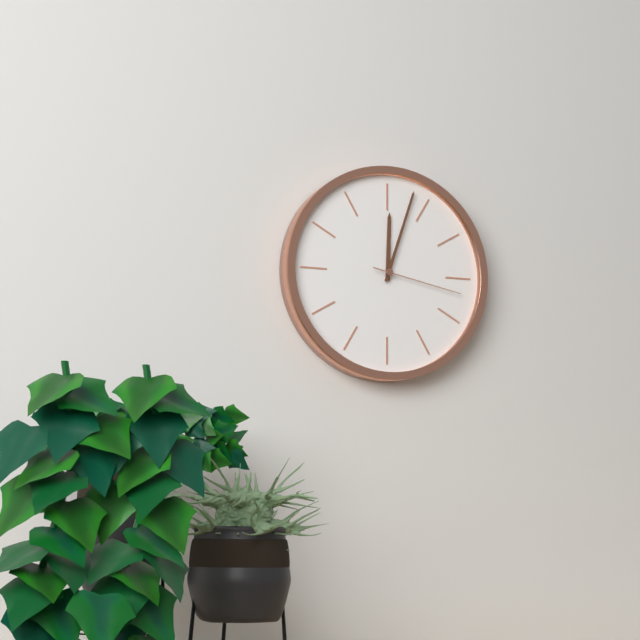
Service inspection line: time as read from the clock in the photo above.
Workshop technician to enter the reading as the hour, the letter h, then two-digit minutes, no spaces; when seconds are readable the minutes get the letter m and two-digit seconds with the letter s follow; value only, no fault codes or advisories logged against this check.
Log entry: 12h03m17s
